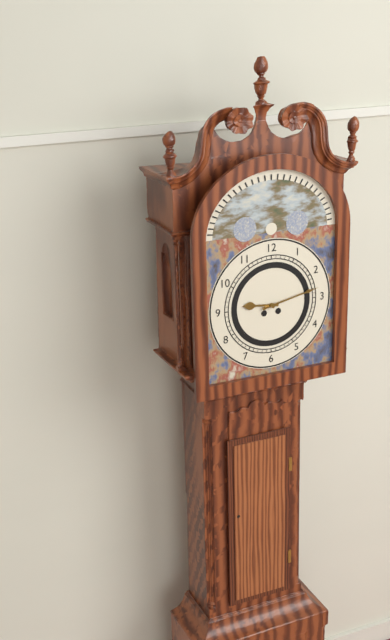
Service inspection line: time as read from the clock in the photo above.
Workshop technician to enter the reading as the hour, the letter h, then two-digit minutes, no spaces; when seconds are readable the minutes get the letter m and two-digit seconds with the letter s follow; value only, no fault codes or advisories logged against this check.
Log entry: 9h13
